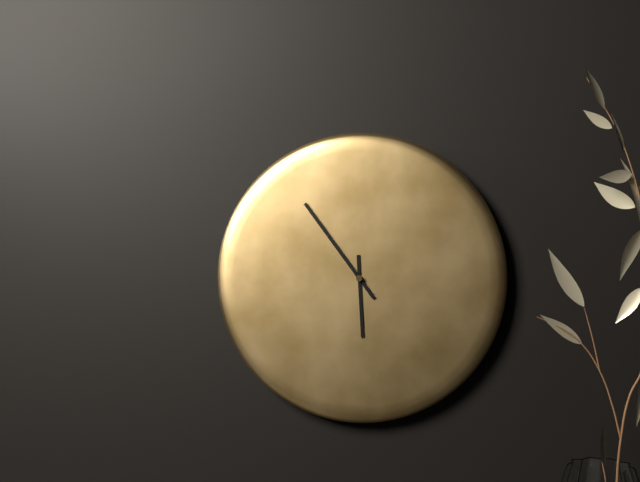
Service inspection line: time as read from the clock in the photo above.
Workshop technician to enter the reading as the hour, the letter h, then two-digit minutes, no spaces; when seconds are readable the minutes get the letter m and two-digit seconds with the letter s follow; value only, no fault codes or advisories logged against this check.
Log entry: 5h54
